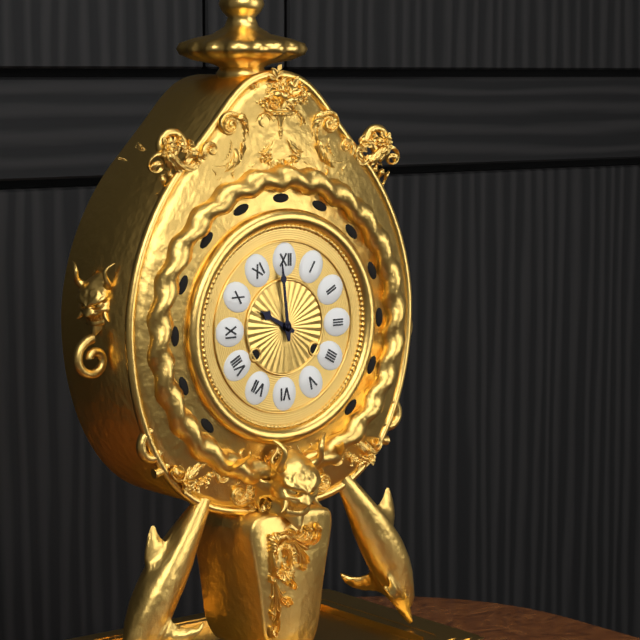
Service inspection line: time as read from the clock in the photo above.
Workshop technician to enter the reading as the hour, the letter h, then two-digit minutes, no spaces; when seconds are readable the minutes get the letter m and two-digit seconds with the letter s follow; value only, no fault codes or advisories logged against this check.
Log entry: 9h59
